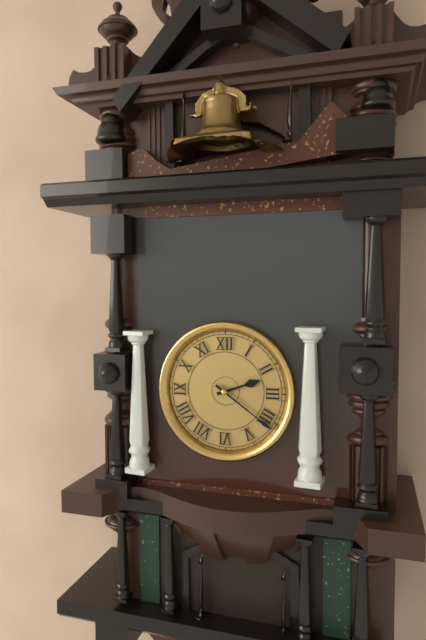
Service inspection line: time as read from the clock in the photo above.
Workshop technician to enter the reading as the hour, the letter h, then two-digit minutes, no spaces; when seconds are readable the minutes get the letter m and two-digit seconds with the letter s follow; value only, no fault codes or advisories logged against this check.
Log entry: 2h21
